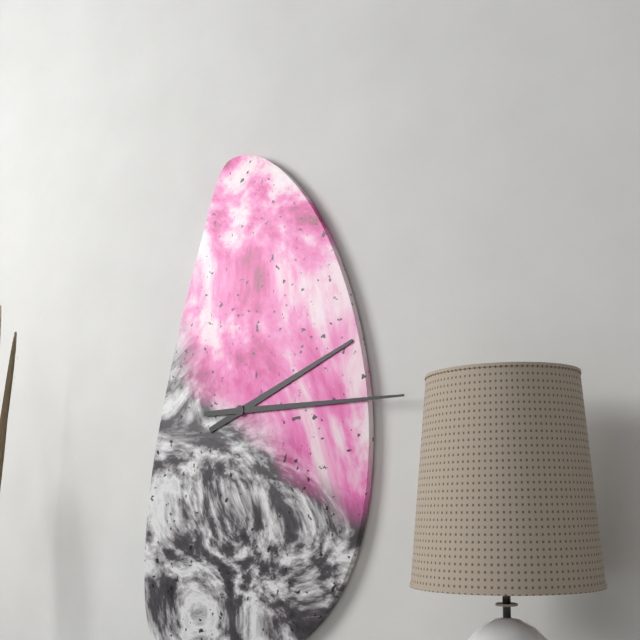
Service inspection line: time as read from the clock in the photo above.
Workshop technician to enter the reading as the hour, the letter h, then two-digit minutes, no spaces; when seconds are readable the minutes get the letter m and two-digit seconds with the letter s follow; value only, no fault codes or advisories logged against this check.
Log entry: 2h15
